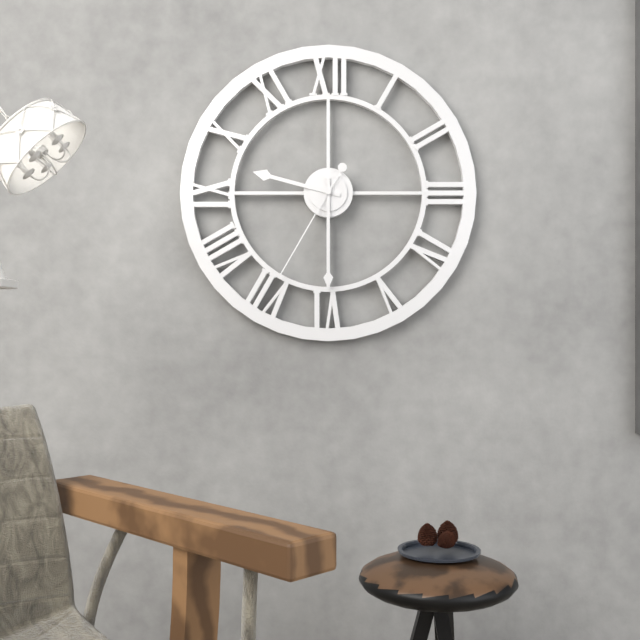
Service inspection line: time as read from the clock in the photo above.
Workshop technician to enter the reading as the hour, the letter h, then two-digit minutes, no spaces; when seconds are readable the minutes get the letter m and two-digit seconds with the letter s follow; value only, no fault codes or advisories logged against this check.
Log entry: 9h30m35s
